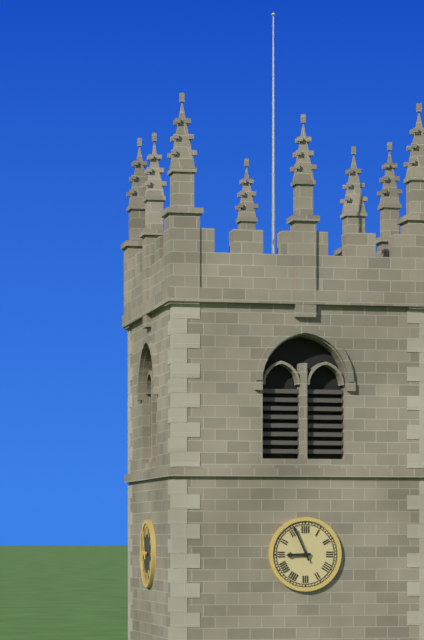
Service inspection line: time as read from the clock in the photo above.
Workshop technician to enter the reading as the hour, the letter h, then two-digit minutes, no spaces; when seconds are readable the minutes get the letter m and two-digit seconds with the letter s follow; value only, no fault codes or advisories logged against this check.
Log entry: 8h56
